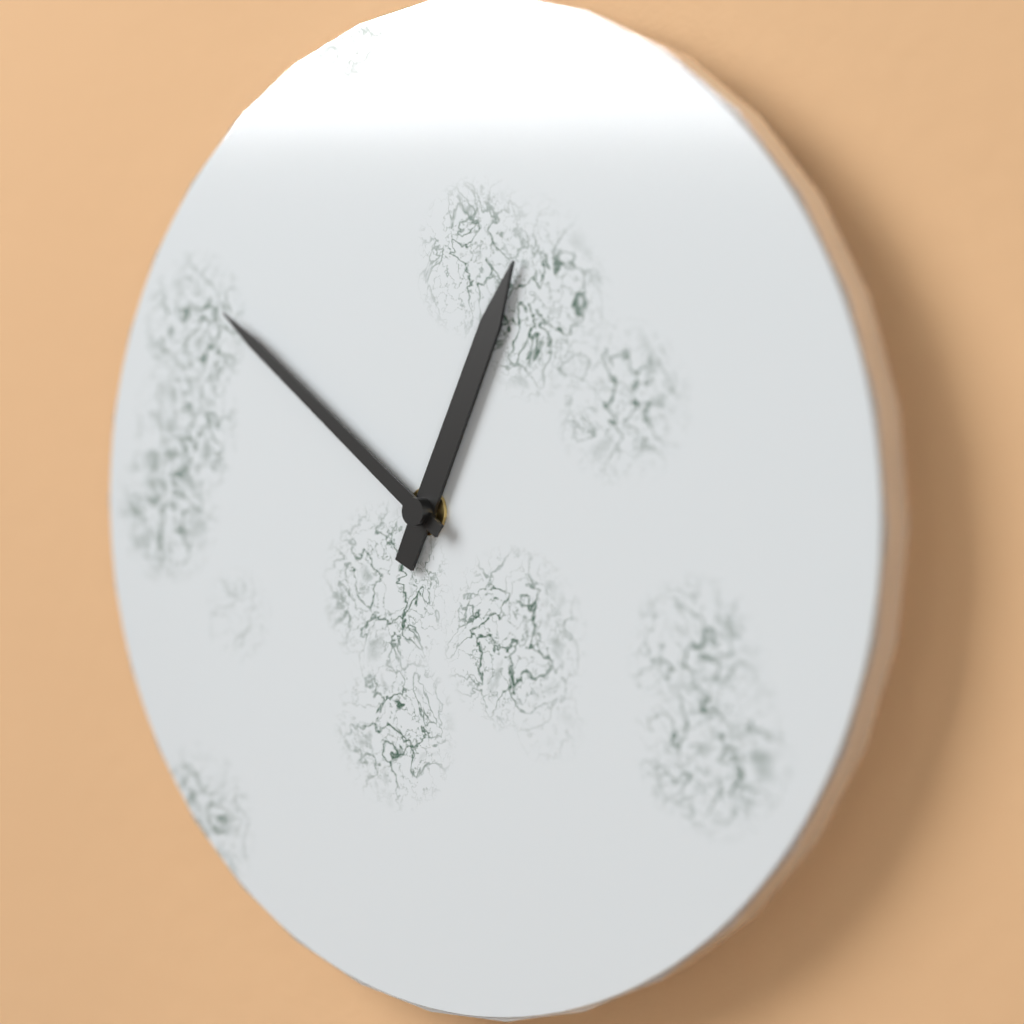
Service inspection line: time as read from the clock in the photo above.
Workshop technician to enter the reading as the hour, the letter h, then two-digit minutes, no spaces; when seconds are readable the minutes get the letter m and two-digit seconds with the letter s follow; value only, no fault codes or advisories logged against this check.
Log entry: 12h51
